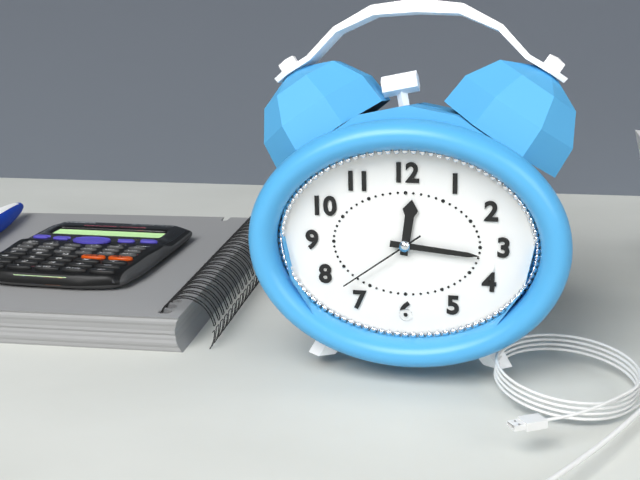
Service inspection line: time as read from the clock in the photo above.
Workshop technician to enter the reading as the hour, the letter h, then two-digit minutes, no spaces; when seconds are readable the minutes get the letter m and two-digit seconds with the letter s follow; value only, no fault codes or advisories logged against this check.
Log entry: 12h16m39s
